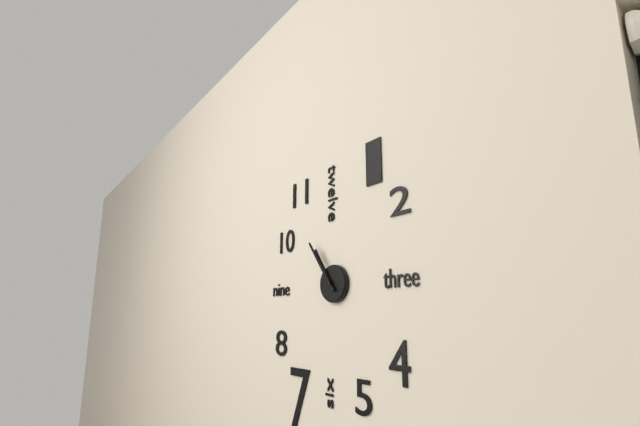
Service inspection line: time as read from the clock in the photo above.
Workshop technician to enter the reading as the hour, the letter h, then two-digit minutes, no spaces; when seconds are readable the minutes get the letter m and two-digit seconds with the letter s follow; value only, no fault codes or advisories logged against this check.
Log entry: 10h54
